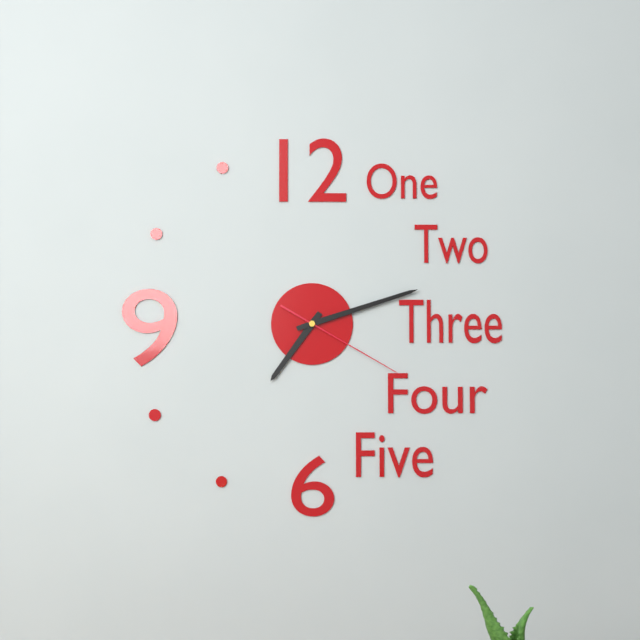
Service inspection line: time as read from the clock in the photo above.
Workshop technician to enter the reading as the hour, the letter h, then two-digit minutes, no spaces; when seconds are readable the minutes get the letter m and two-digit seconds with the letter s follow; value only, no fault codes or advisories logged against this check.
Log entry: 7h12m20s
